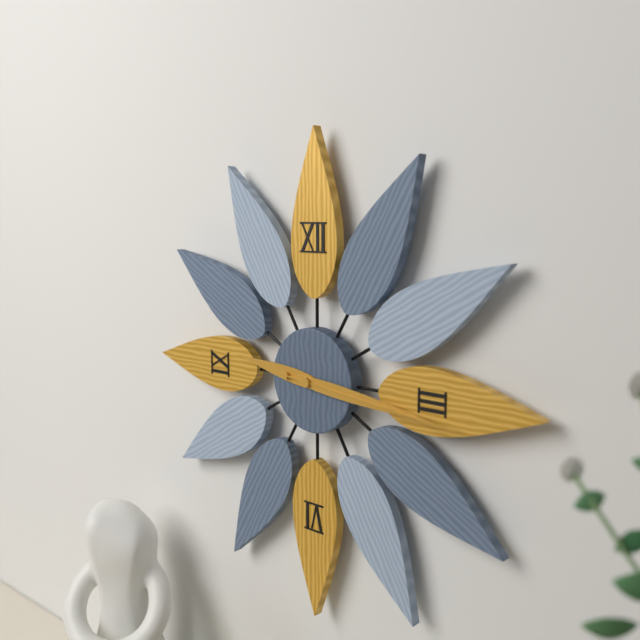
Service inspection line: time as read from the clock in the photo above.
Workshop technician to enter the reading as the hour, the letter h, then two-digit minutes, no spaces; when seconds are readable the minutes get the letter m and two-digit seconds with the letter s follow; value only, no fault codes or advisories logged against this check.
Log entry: 9h16m16s
